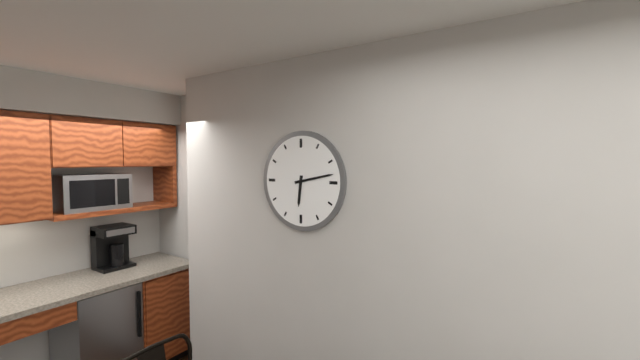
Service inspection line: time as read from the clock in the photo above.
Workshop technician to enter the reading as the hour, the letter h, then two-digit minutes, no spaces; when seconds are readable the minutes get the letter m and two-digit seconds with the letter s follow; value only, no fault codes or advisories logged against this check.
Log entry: 6h13
